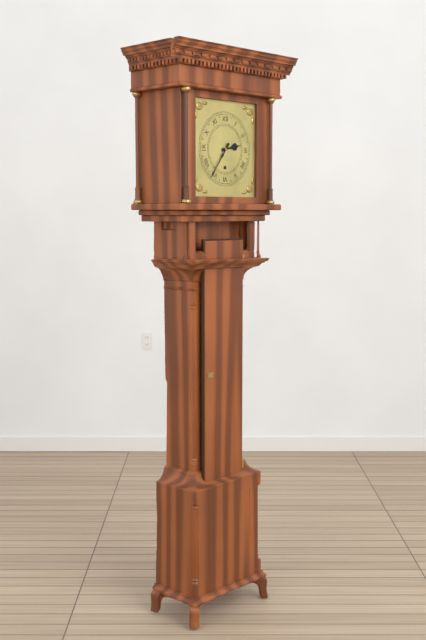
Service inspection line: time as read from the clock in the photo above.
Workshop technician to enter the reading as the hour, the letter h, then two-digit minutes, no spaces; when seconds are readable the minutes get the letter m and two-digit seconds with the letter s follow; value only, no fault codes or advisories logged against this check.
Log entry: 2h36
